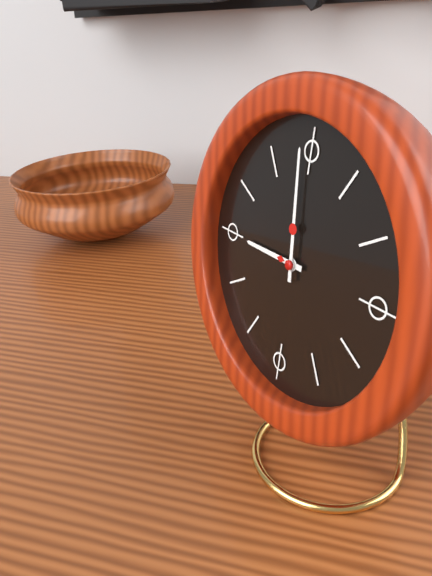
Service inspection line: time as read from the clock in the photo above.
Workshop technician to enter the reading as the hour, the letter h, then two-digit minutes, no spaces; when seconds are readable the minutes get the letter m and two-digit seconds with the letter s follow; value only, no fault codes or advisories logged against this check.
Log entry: 8h59
